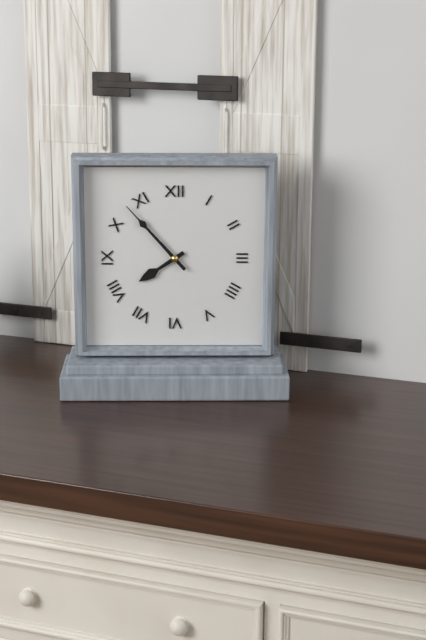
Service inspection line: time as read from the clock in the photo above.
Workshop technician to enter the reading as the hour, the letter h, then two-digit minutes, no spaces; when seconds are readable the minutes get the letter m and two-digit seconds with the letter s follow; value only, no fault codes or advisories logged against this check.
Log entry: 7h53
